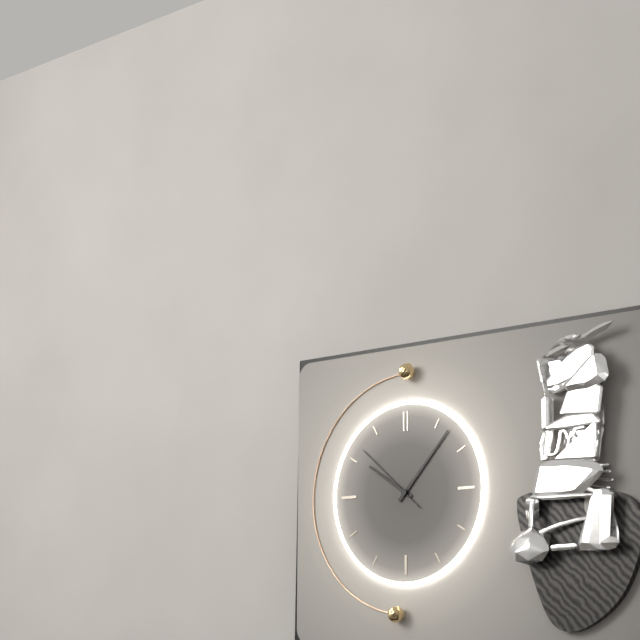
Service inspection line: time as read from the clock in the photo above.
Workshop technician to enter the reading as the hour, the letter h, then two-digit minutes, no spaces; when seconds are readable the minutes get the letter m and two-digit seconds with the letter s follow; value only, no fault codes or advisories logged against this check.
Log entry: 10h07m52s
